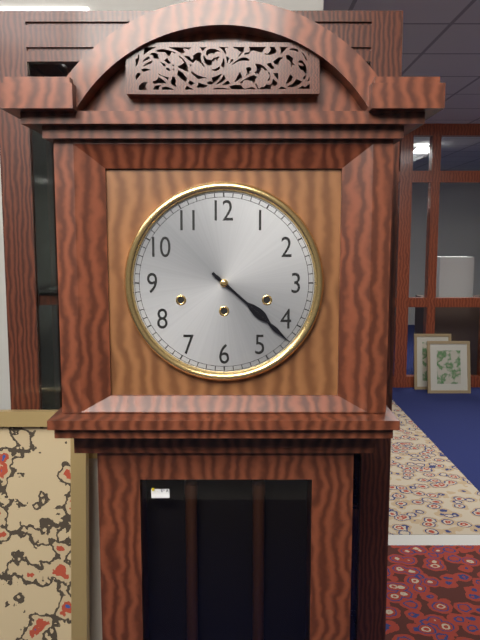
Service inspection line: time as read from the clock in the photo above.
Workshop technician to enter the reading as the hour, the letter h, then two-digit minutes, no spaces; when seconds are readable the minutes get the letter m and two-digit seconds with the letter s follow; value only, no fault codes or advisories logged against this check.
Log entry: 4h22
